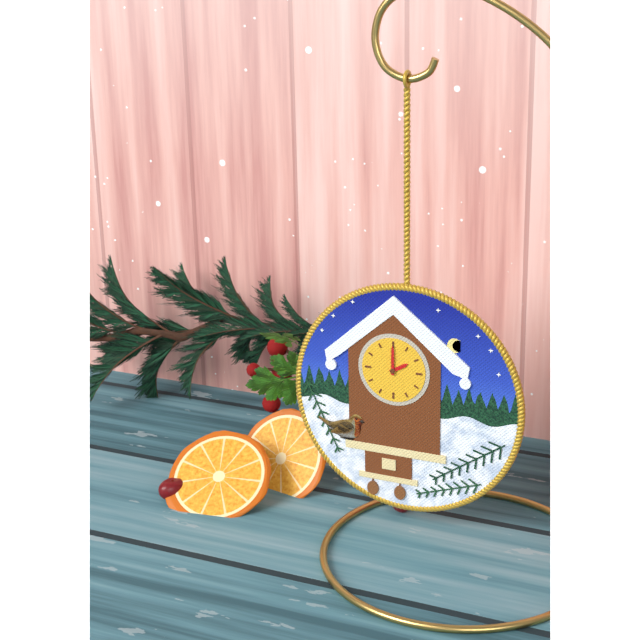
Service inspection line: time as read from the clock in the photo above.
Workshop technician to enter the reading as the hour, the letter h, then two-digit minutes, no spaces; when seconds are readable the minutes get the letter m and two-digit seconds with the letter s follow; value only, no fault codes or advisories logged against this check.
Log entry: 2h00
